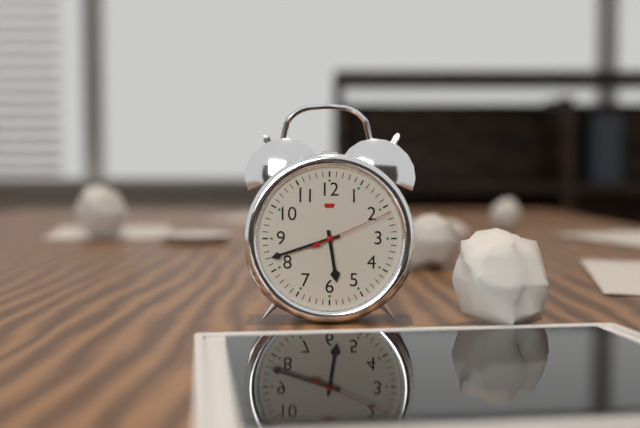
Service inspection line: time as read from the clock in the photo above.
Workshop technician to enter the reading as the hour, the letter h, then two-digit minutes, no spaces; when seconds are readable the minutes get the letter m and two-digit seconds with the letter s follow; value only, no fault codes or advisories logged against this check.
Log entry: 5h42m11s
